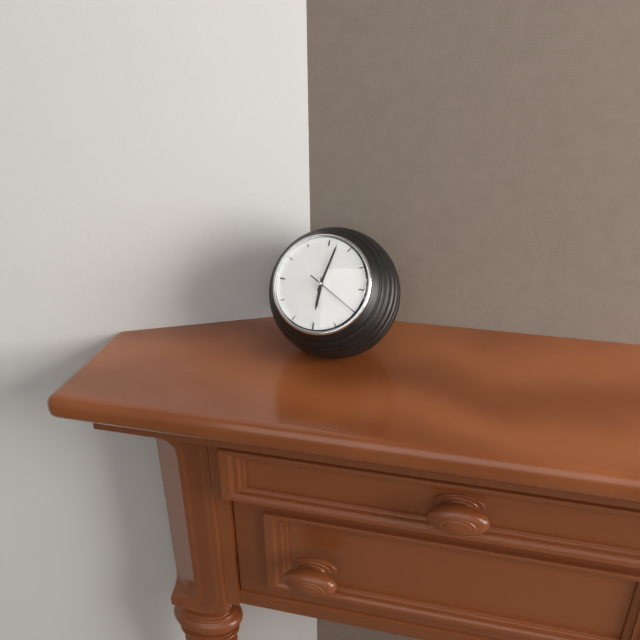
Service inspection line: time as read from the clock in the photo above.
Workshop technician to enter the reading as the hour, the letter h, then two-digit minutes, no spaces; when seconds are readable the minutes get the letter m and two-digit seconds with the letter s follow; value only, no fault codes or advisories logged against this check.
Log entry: 6h02
